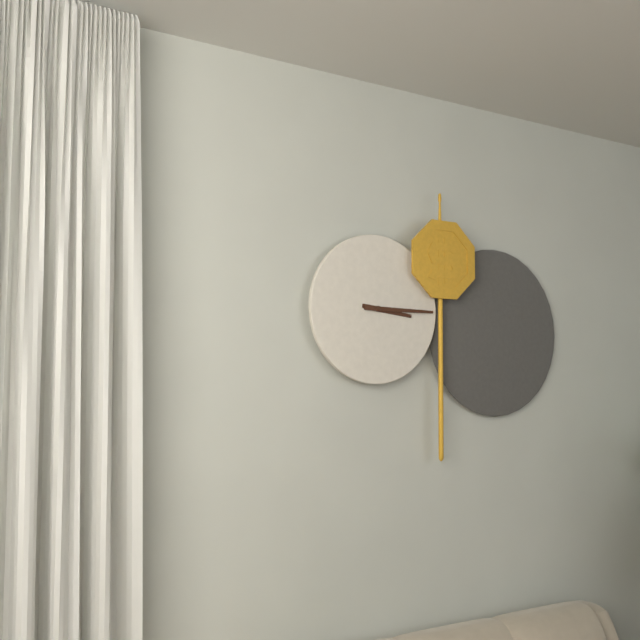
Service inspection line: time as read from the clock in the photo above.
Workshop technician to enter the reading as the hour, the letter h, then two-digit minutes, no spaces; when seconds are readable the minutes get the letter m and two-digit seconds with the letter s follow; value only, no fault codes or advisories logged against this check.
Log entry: 3h15
